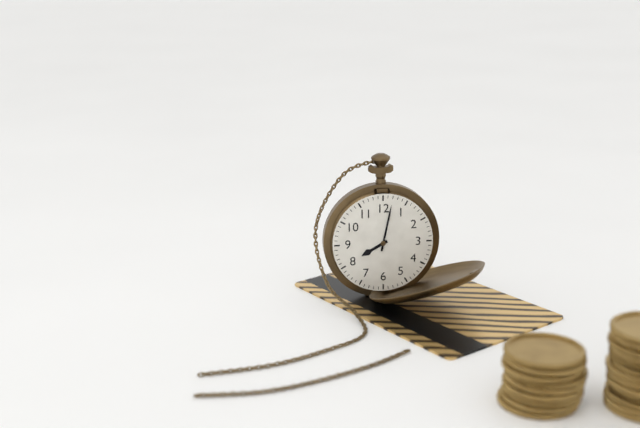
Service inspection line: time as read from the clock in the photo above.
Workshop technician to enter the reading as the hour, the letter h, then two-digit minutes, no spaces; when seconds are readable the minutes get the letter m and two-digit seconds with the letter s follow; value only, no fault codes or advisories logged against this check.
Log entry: 8h02
